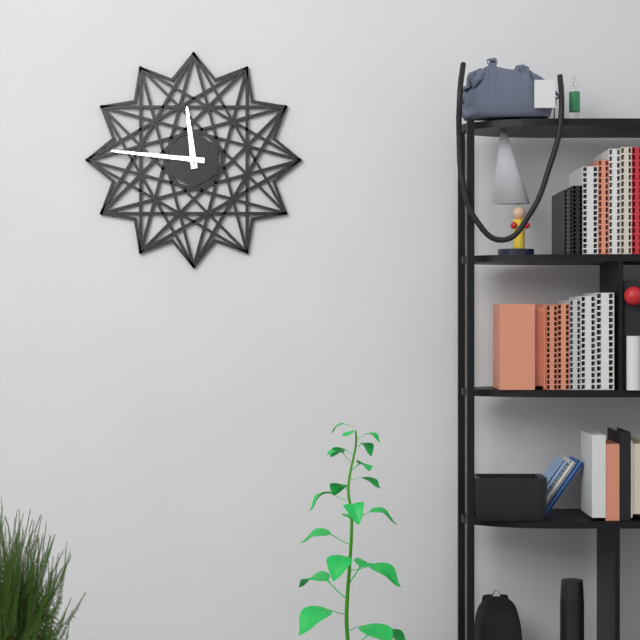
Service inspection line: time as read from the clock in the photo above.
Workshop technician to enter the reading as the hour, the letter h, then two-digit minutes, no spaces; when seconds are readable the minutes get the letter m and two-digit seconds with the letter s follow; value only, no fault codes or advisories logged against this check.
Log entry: 11h46
